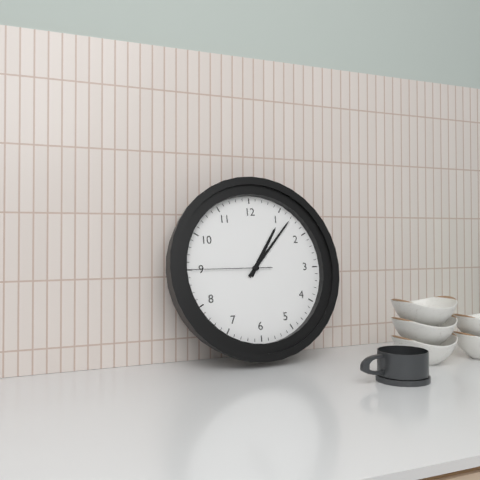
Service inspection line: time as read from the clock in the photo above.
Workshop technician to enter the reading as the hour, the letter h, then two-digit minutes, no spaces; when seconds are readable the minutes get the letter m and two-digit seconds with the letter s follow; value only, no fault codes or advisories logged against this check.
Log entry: 1h07m45s
